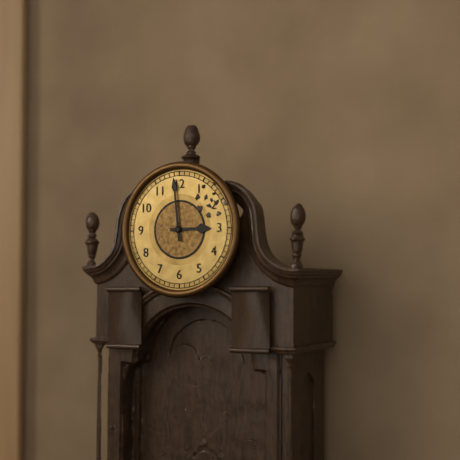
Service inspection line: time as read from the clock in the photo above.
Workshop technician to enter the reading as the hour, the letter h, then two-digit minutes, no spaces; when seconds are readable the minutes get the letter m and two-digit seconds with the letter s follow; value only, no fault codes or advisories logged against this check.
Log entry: 2h59
